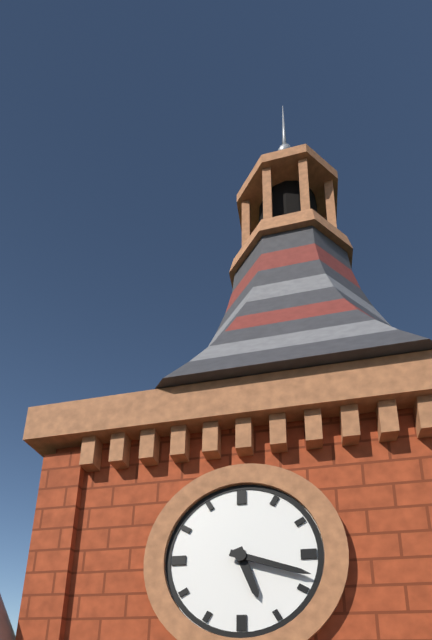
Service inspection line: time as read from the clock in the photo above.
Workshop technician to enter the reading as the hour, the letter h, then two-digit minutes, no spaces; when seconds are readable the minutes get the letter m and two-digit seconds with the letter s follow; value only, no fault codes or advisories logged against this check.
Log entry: 5h18
